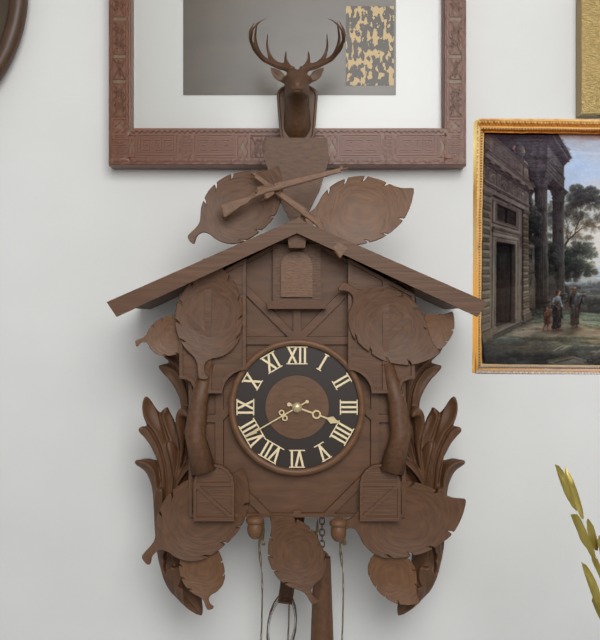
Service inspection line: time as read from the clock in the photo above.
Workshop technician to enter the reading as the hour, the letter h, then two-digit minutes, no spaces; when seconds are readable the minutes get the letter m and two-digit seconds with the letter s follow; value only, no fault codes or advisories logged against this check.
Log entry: 3h40
